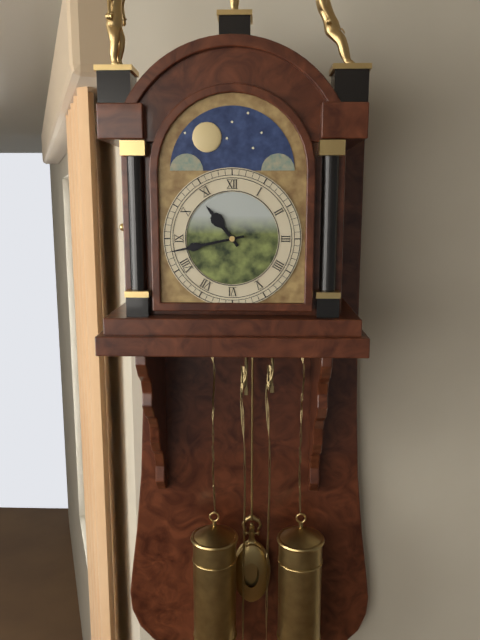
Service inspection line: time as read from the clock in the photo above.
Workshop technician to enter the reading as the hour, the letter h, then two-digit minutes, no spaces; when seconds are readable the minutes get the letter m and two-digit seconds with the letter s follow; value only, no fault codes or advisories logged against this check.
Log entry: 10h43
